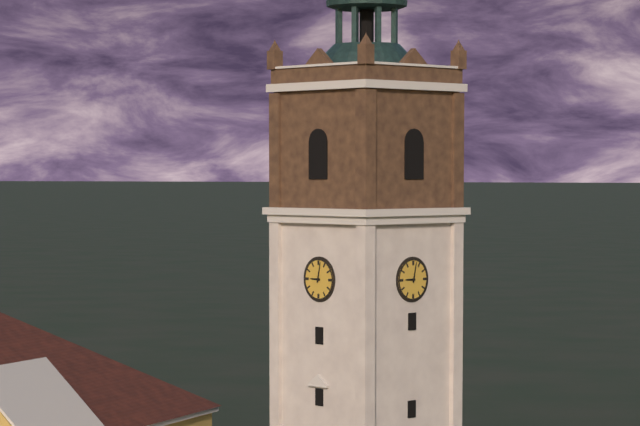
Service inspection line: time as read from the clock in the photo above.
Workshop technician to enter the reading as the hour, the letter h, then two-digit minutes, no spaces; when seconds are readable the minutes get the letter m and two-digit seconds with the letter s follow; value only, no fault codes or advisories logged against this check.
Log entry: 9h02
